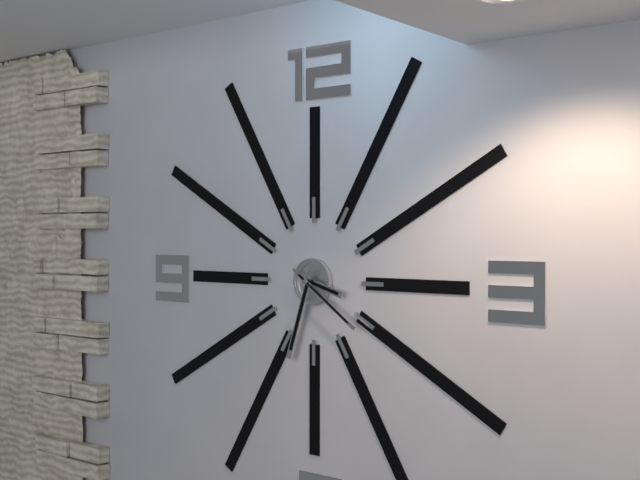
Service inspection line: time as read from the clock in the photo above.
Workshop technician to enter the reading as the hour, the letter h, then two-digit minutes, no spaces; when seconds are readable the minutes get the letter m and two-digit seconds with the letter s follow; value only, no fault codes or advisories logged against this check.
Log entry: 3h33m21s
